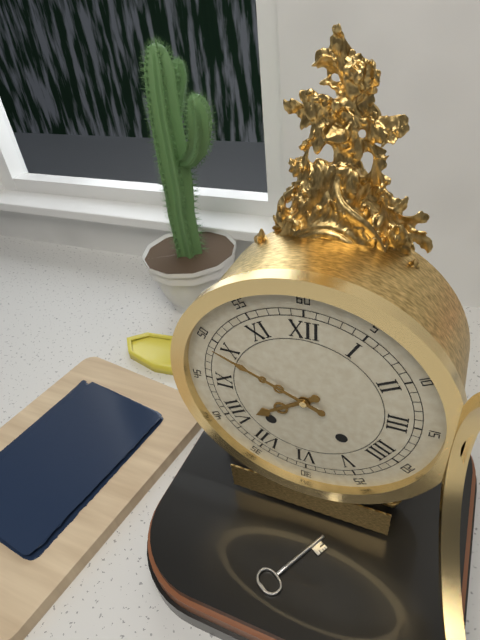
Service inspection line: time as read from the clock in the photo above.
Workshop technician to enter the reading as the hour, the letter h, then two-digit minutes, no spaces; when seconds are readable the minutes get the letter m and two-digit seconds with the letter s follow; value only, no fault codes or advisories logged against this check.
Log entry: 7h49
